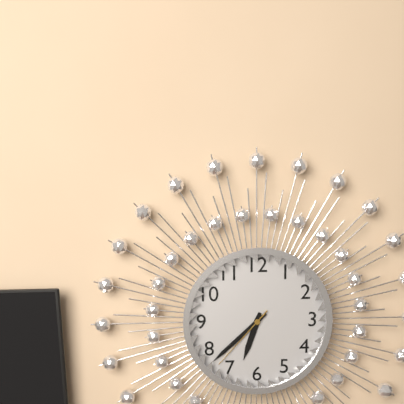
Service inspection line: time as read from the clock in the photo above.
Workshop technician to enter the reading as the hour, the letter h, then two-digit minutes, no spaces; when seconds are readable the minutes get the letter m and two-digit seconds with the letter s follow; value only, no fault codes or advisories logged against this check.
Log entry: 6h38m37s
